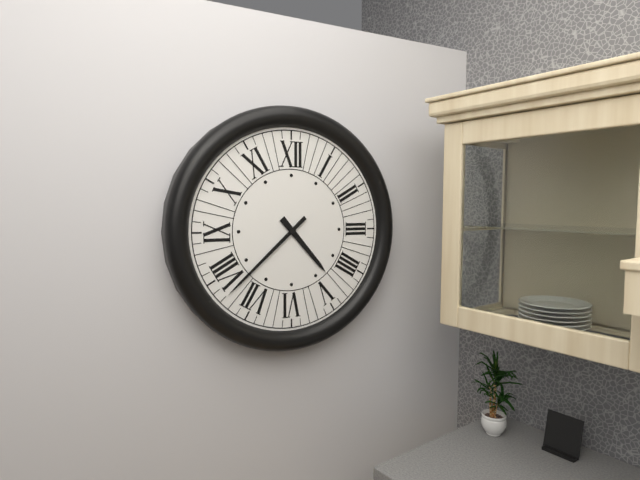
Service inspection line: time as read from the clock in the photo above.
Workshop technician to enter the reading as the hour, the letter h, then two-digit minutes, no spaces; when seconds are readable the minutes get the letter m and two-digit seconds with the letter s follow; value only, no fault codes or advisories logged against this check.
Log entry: 4h38
